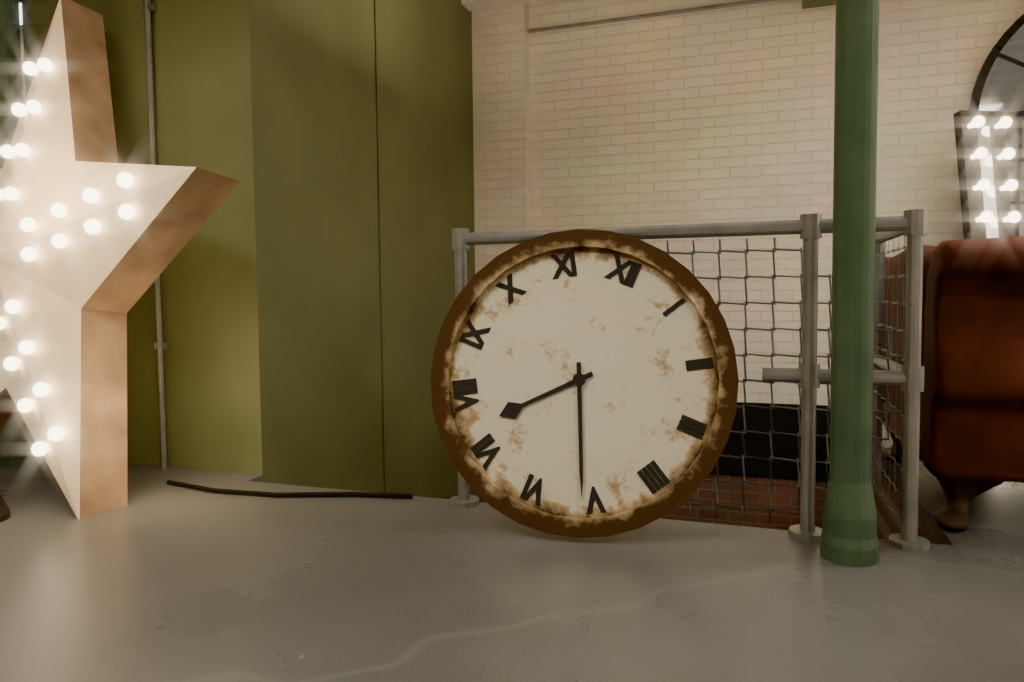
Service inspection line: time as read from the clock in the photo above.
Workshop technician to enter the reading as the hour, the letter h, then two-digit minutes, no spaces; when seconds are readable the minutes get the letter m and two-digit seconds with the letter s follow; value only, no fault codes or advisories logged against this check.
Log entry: 7h26
